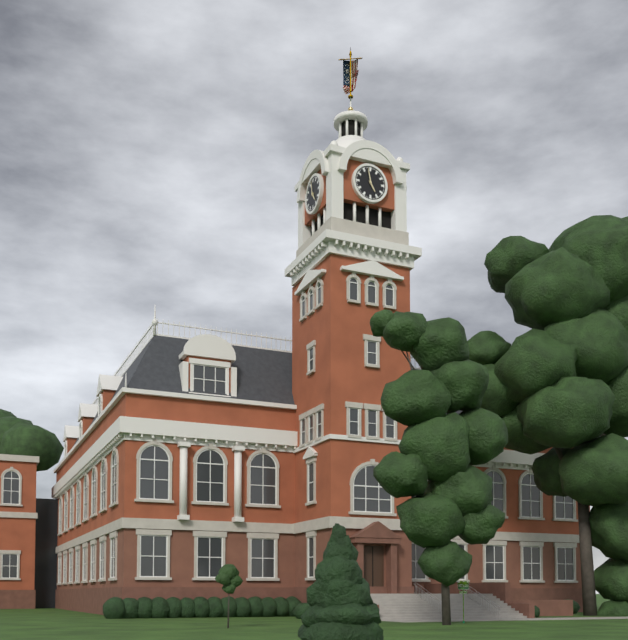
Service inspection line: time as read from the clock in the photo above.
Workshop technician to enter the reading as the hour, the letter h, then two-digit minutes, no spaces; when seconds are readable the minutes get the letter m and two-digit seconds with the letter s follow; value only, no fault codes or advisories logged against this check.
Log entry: 4h58
